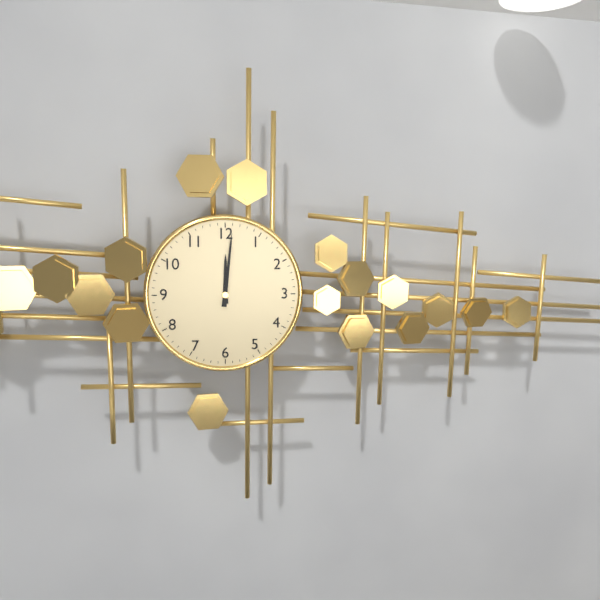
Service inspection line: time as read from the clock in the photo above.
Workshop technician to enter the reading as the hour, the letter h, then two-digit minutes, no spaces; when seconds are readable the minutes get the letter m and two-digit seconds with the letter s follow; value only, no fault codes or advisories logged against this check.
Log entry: 12h01
